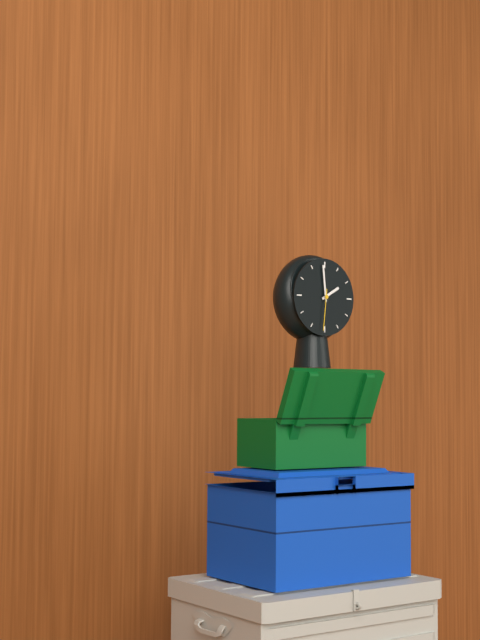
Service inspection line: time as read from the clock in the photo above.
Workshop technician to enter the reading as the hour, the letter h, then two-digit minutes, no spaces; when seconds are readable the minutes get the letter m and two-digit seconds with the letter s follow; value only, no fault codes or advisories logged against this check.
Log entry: 1h59
